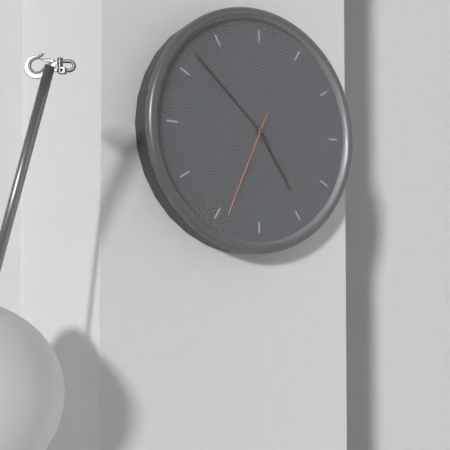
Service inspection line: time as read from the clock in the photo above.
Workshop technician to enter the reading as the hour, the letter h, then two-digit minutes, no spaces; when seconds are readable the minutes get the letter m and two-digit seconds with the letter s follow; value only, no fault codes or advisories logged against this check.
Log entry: 4h52m34s
